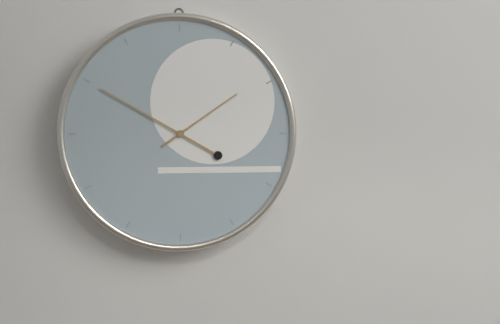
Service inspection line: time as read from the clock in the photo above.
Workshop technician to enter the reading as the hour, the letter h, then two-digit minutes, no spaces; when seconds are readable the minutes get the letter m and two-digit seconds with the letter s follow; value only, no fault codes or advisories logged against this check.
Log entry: 1h50
